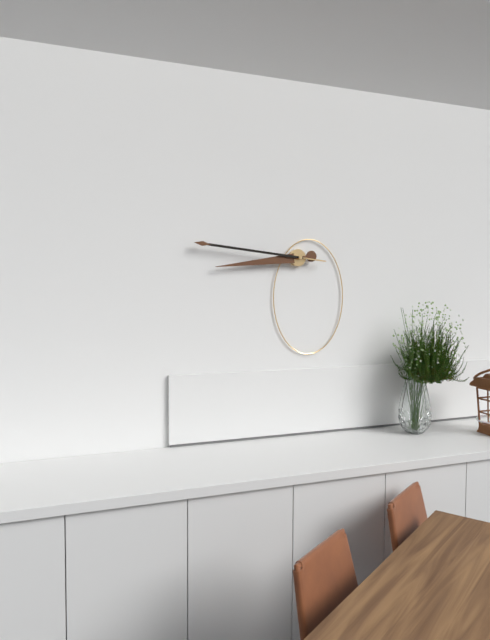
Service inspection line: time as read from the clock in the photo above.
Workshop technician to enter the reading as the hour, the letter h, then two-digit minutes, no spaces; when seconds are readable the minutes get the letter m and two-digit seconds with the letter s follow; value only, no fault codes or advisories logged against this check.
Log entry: 8h46
